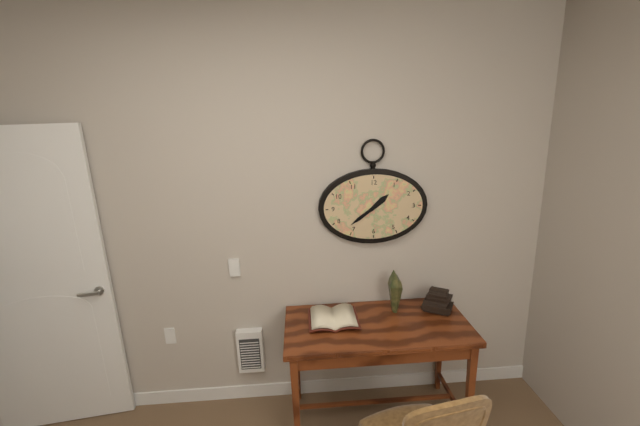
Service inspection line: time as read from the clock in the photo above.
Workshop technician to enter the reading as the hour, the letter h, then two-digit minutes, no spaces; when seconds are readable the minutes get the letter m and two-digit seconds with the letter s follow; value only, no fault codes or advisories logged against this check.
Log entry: 1h39
